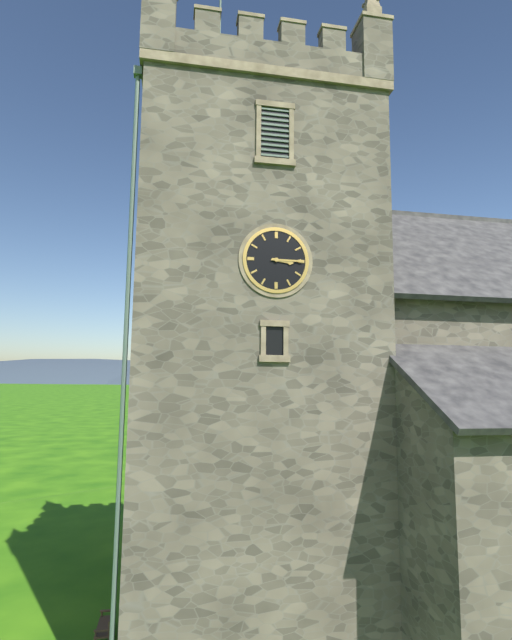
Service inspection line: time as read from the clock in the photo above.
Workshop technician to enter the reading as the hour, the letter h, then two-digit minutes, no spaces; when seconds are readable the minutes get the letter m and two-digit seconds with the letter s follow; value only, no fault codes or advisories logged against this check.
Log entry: 3h15
